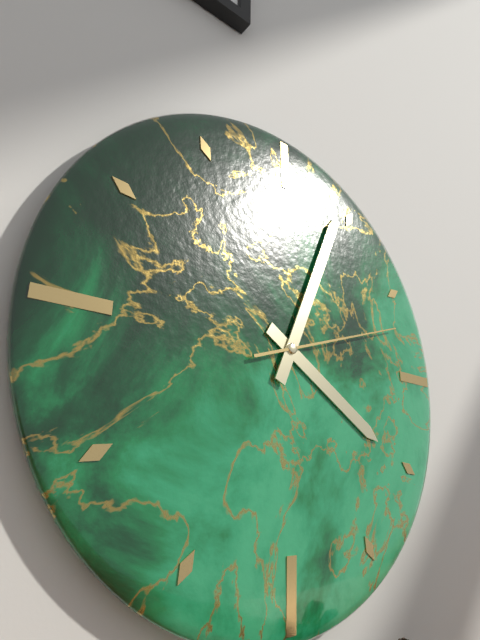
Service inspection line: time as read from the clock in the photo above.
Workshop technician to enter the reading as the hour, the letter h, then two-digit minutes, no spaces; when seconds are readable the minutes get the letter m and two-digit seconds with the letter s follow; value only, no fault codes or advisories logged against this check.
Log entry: 4h04m12s
